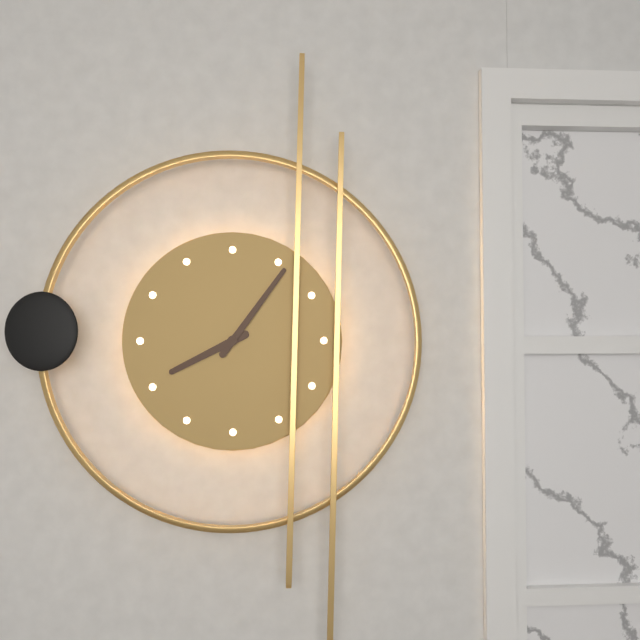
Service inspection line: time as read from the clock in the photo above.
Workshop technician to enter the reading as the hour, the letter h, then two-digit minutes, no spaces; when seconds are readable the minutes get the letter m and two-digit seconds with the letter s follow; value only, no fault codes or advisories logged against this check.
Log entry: 8h06
